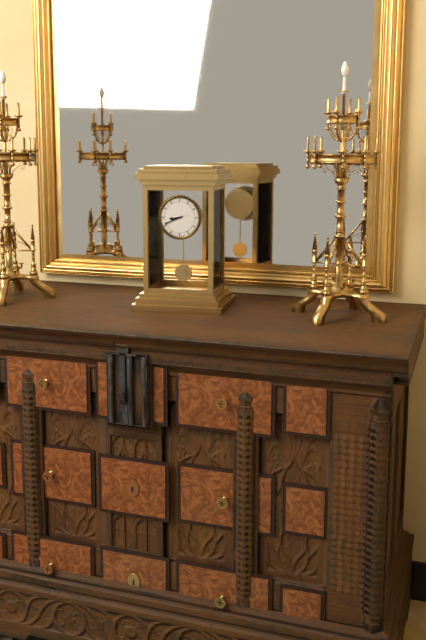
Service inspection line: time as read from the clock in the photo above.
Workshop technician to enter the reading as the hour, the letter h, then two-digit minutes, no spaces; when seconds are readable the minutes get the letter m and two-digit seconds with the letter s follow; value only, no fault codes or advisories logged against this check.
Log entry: 8h41
